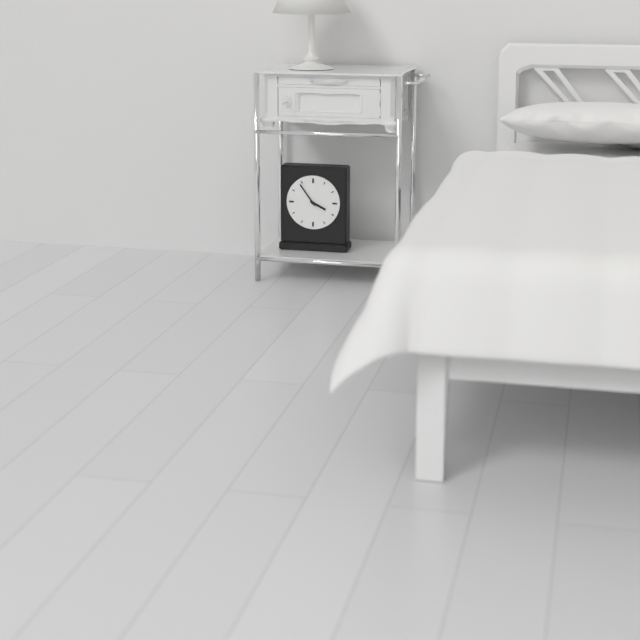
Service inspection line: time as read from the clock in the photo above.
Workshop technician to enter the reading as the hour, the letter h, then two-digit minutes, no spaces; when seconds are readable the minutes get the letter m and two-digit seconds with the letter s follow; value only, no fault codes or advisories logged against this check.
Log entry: 3h54
